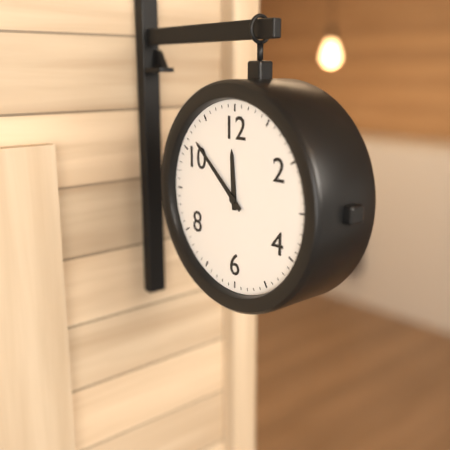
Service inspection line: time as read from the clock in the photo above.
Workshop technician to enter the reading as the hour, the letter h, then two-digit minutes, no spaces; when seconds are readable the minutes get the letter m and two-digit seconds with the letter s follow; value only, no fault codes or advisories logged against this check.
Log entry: 11h52
